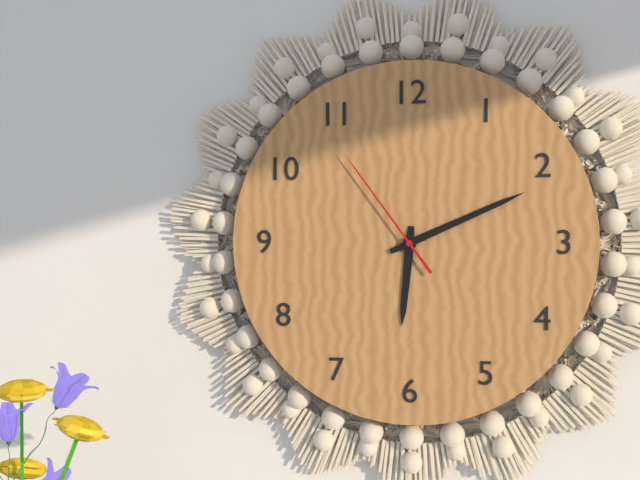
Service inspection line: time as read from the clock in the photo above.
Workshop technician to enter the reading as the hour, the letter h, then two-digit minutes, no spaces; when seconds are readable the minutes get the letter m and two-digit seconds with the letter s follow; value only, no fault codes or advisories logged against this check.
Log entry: 6h11m54s
